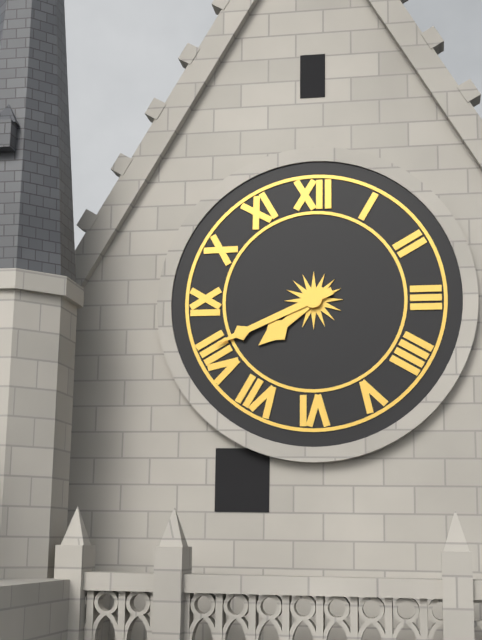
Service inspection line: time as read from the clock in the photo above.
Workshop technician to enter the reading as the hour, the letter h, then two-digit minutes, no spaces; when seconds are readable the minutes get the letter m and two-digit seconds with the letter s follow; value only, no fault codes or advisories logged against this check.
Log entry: 7h41
